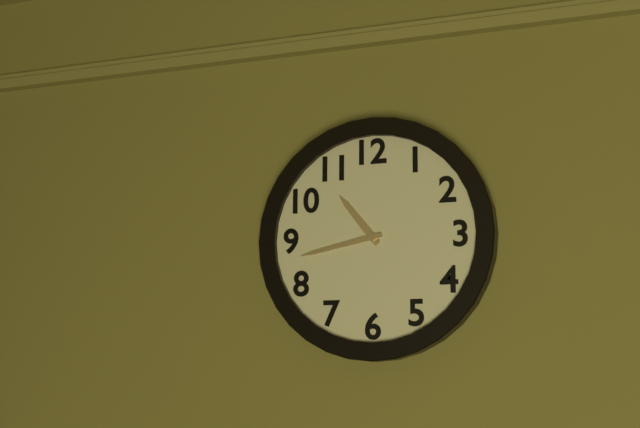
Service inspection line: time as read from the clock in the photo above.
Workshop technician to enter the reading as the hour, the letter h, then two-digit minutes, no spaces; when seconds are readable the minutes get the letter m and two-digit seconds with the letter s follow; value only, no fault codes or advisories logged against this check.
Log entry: 10h43
